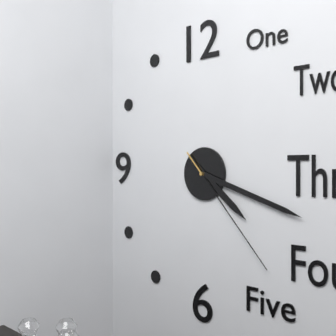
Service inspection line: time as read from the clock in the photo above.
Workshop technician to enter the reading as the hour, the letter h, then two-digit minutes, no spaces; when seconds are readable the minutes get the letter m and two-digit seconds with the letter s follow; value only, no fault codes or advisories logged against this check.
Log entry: 4h18m23s
